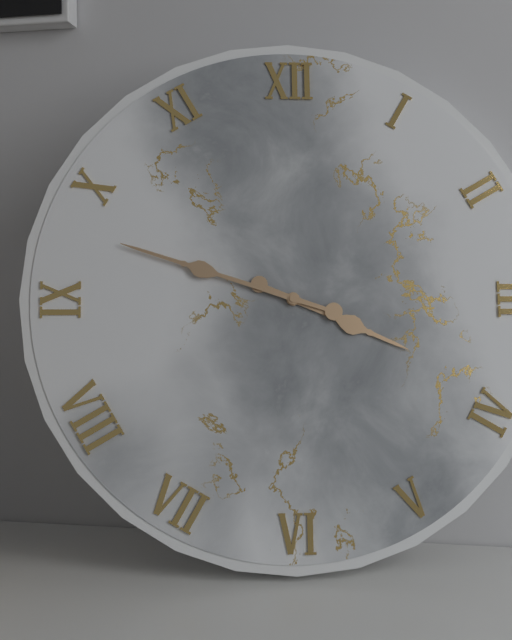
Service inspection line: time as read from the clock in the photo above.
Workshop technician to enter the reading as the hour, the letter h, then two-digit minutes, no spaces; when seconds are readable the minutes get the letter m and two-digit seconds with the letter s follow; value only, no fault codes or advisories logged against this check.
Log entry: 3h48
